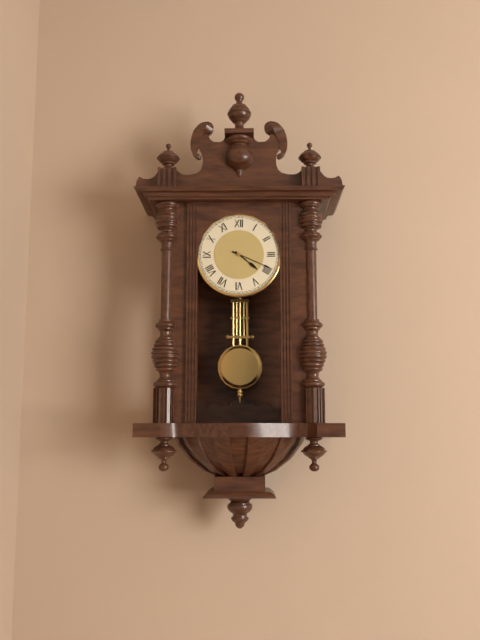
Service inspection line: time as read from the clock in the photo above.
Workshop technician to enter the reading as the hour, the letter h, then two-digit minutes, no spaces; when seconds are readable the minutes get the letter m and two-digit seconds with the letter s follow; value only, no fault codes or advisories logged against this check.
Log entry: 4h19
